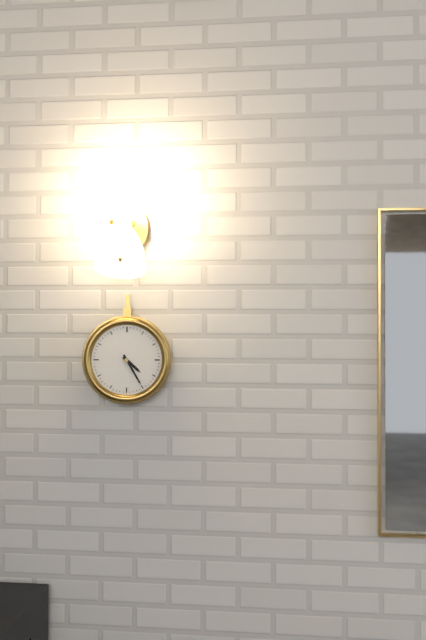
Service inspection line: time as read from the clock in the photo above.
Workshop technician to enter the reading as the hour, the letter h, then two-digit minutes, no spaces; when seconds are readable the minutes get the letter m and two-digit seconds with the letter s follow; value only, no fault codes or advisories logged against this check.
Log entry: 4h25
